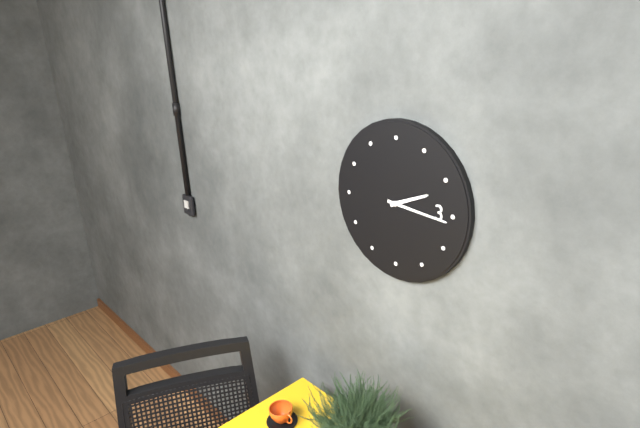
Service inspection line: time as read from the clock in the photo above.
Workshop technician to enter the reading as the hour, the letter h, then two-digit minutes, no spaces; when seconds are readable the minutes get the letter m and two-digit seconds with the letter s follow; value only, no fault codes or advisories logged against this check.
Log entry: 2h16
